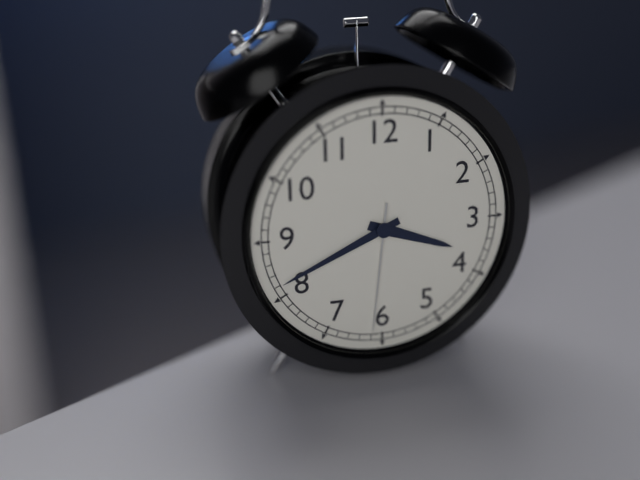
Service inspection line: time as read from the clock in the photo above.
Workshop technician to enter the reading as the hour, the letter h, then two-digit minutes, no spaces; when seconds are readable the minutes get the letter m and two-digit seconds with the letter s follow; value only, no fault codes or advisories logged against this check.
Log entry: 3h41m31s
